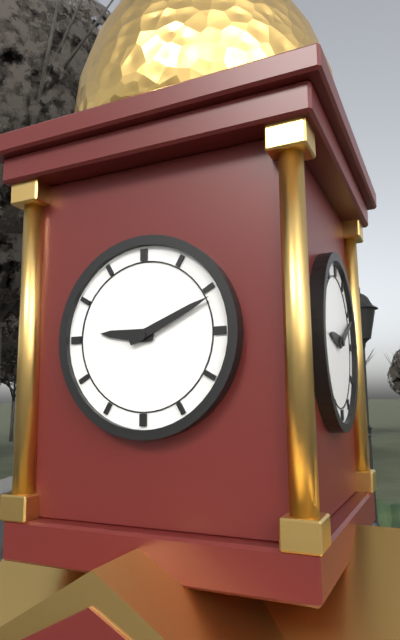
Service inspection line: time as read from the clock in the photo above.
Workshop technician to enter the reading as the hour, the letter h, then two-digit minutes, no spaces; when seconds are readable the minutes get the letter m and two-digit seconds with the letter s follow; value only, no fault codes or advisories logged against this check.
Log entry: 9h11
